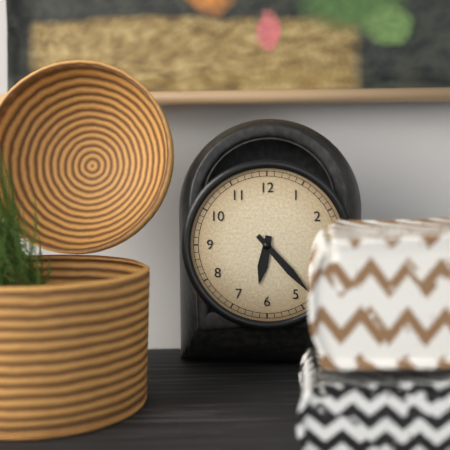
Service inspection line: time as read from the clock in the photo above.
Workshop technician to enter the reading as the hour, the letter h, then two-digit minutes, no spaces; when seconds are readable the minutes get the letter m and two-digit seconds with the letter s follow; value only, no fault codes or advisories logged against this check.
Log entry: 6h23
